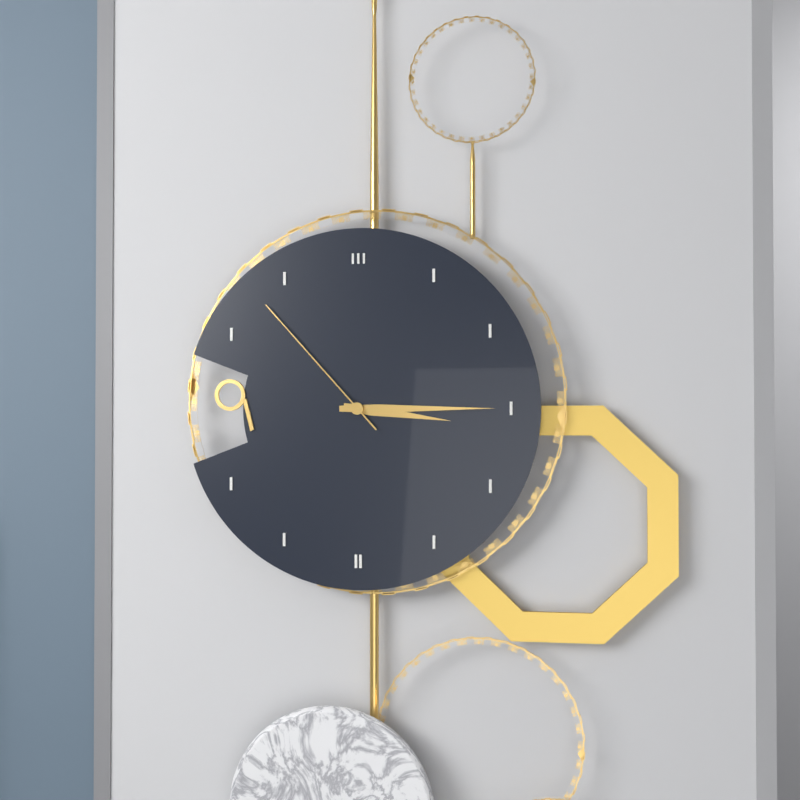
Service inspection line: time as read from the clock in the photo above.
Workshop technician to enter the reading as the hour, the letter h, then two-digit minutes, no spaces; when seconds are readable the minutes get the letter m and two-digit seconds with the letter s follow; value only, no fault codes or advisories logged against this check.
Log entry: 3h15m53s
